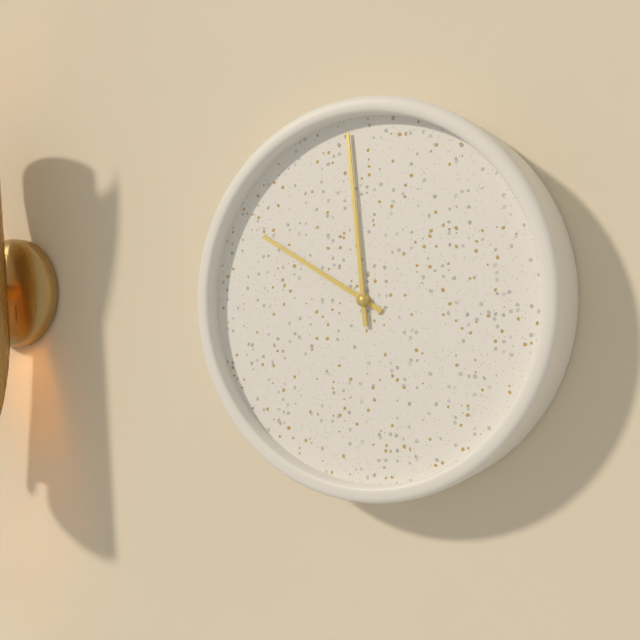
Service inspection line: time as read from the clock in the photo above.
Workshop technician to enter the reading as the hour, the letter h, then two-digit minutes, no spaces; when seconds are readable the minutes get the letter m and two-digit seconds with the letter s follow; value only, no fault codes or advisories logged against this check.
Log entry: 9h59
